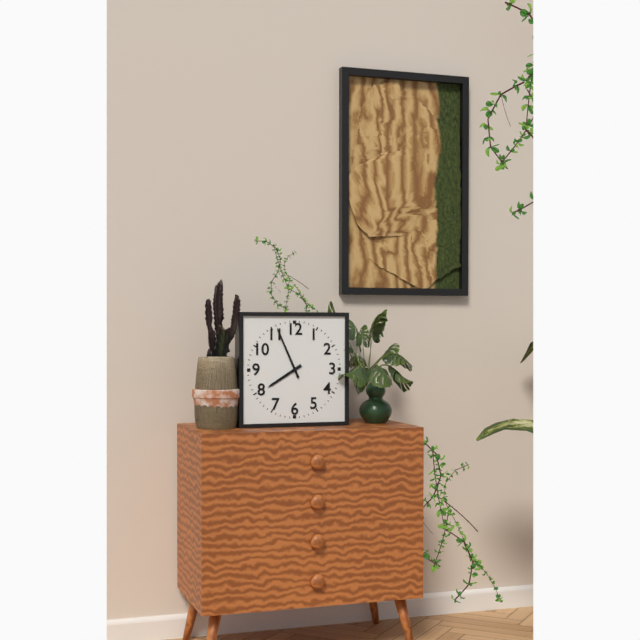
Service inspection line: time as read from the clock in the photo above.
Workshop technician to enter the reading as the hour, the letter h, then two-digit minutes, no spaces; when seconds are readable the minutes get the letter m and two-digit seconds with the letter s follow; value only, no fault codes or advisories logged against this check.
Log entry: 7h56
